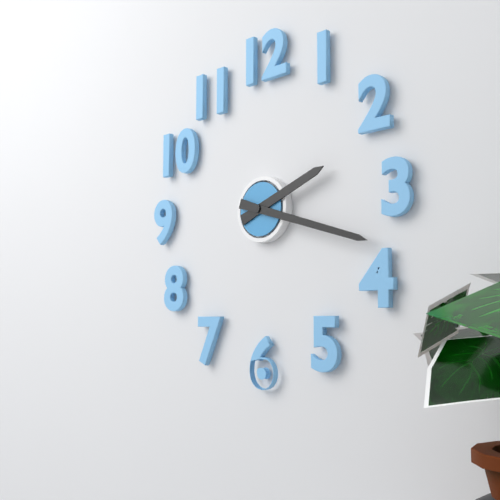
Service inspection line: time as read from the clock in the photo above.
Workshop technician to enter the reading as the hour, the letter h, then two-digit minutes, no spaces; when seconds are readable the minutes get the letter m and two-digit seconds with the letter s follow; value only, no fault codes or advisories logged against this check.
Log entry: 2h18
